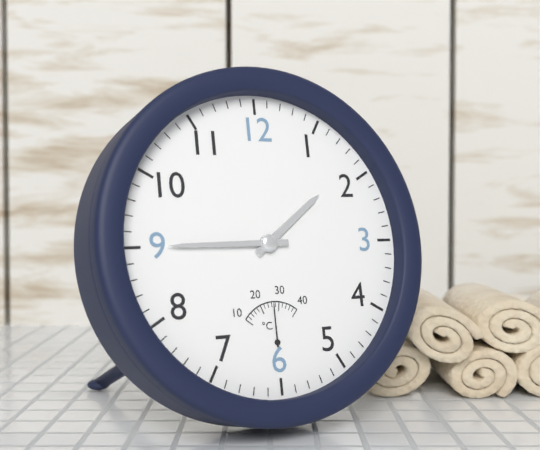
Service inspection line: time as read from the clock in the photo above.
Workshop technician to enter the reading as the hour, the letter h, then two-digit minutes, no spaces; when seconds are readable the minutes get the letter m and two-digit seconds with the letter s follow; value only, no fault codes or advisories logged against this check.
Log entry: 1h45
